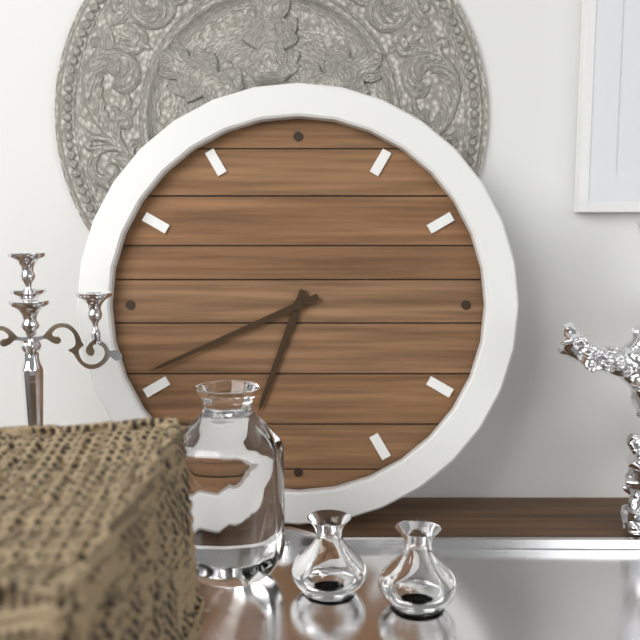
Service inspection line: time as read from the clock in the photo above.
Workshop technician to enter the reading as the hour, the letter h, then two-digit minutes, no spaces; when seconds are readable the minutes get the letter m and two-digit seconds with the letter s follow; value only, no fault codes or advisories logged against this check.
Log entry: 6h41
